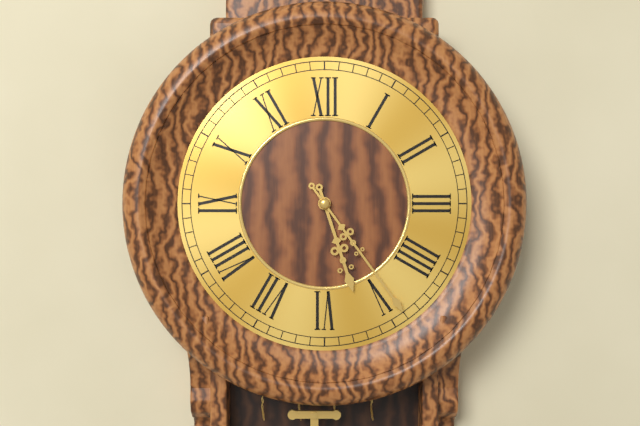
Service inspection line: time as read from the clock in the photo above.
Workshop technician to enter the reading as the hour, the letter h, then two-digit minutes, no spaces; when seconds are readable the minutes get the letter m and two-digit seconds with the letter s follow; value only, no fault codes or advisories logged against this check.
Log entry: 5h24
